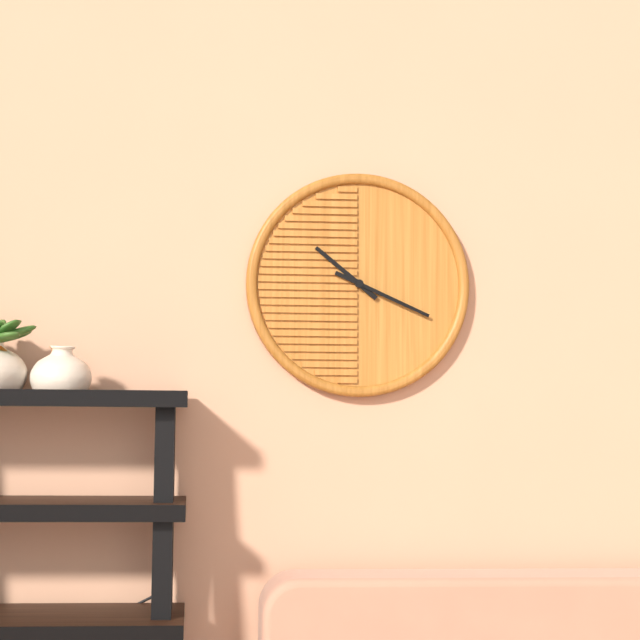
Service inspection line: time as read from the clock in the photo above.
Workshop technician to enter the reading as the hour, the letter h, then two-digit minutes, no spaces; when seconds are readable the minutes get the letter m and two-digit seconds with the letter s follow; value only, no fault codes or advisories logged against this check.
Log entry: 10h19
